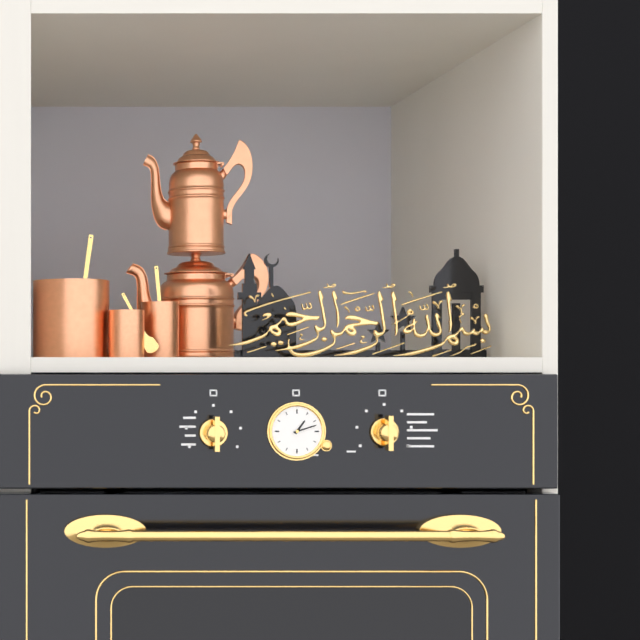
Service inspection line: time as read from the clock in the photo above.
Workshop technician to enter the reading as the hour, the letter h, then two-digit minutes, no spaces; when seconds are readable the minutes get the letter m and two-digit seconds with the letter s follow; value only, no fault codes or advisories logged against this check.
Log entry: 1h12
